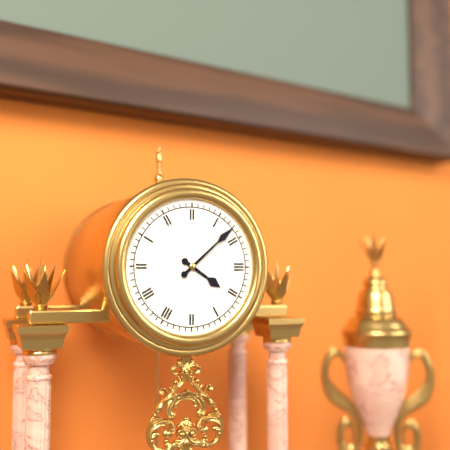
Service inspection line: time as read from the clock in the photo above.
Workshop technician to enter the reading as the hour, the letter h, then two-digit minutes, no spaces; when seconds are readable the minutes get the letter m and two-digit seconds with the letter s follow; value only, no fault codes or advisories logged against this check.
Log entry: 4h08
